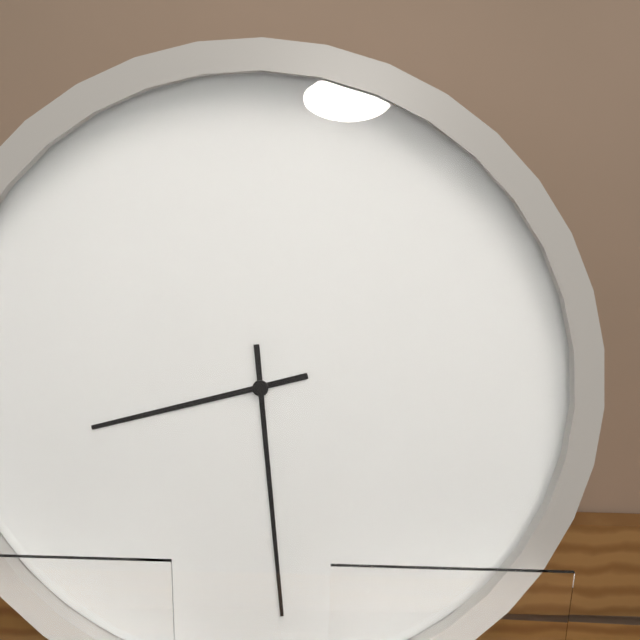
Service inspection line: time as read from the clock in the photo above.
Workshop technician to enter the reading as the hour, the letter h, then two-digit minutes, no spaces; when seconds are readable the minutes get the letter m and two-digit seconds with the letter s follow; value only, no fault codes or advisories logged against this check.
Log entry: 8h29
